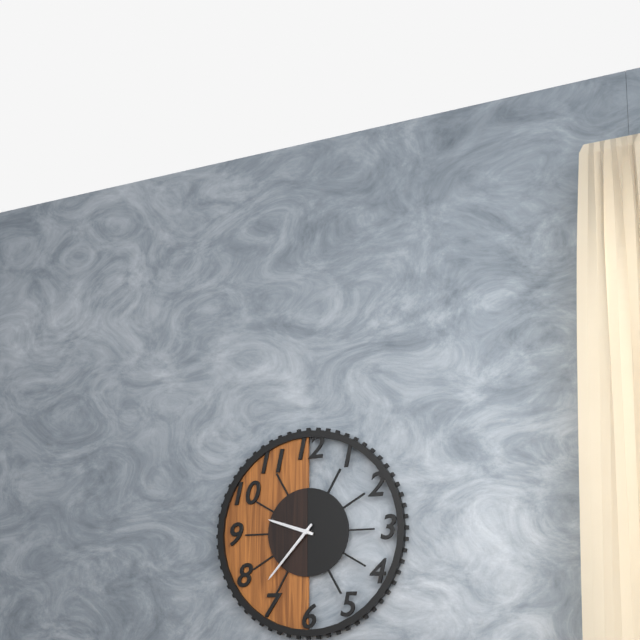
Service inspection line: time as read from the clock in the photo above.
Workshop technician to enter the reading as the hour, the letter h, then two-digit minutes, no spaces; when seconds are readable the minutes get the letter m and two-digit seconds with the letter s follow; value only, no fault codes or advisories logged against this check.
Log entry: 9h37
